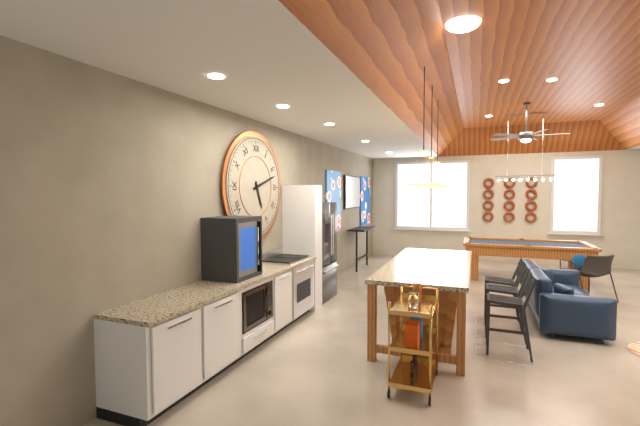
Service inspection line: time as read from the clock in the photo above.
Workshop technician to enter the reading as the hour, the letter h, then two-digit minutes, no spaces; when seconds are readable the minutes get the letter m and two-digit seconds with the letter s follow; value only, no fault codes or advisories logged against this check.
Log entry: 5h12
